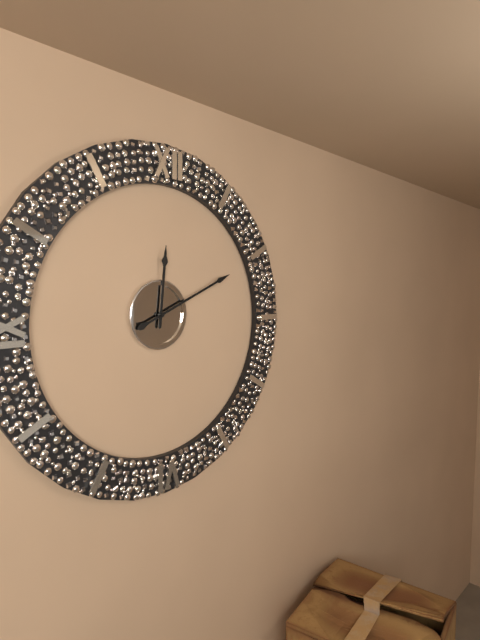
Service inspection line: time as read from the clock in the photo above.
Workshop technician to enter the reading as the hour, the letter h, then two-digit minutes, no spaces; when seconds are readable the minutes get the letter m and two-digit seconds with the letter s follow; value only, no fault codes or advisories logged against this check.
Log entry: 12h11
